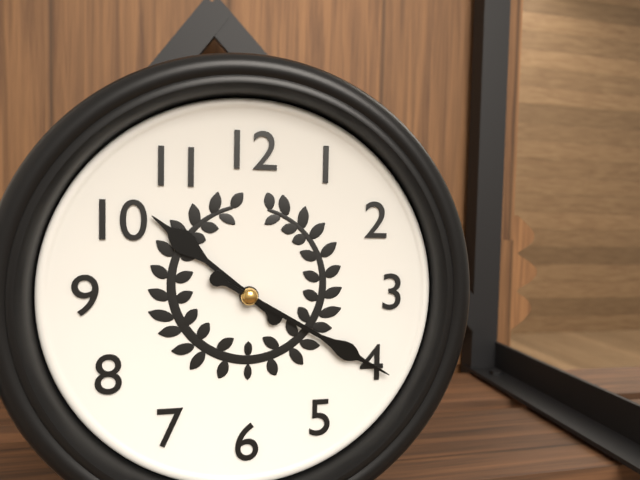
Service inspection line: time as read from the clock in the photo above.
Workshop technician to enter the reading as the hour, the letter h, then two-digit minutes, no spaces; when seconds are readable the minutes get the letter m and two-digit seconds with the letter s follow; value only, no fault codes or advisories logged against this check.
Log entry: 10h20
